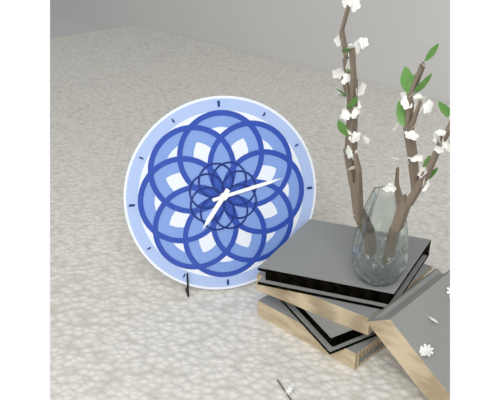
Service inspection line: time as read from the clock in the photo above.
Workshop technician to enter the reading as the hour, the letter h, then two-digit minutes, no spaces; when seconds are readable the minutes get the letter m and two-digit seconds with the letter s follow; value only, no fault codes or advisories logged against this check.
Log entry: 7h13
